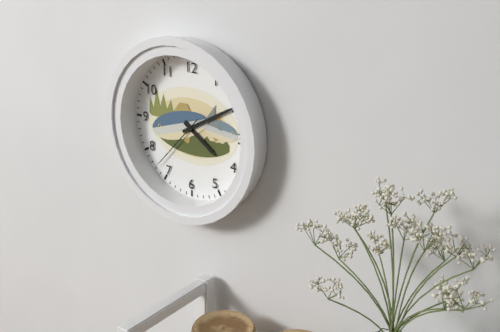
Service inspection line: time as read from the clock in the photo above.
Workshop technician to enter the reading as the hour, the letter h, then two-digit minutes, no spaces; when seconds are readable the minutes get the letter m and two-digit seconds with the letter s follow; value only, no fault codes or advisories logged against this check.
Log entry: 4h10m37s
